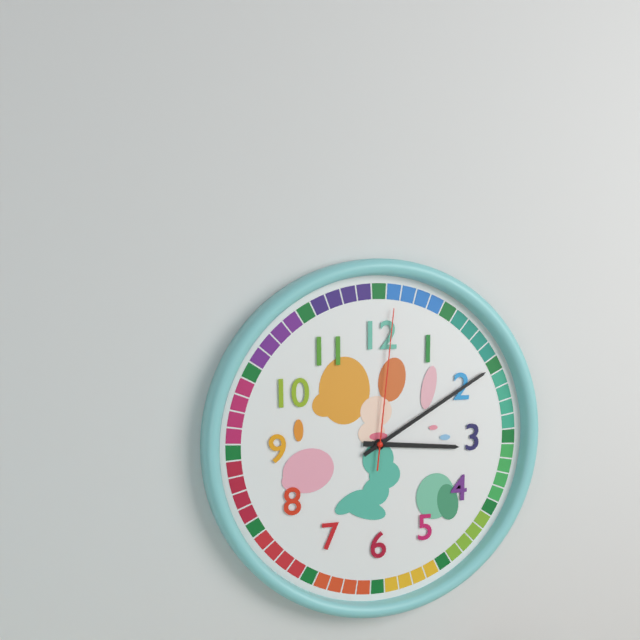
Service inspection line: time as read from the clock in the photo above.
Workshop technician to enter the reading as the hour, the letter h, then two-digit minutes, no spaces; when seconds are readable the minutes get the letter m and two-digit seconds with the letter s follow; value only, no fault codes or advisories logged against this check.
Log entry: 3h10m01s
